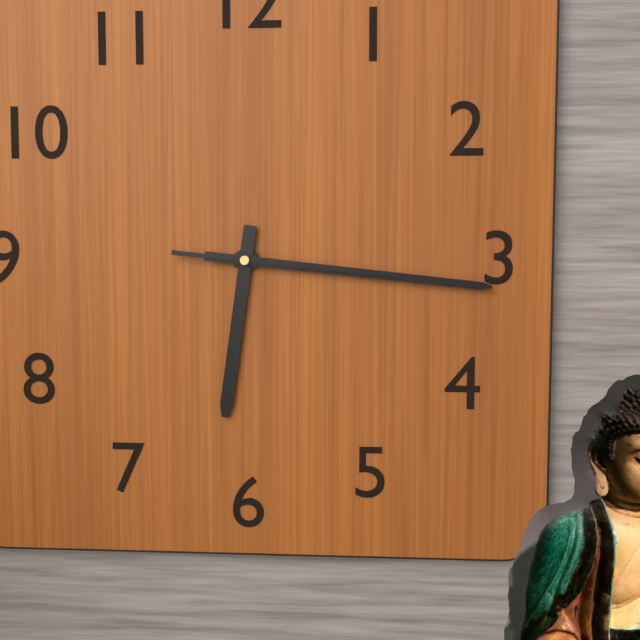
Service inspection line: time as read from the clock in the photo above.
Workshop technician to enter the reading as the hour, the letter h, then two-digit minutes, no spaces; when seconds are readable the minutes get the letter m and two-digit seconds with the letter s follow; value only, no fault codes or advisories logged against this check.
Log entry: 6h16m16s
